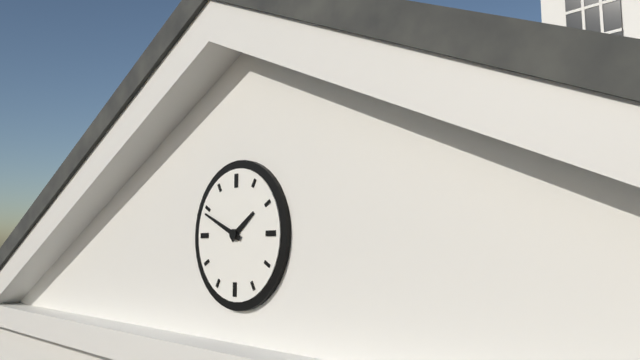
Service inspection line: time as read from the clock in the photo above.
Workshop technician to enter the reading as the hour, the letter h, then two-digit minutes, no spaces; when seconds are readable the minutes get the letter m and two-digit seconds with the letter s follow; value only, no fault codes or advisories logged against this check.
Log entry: 1h49
